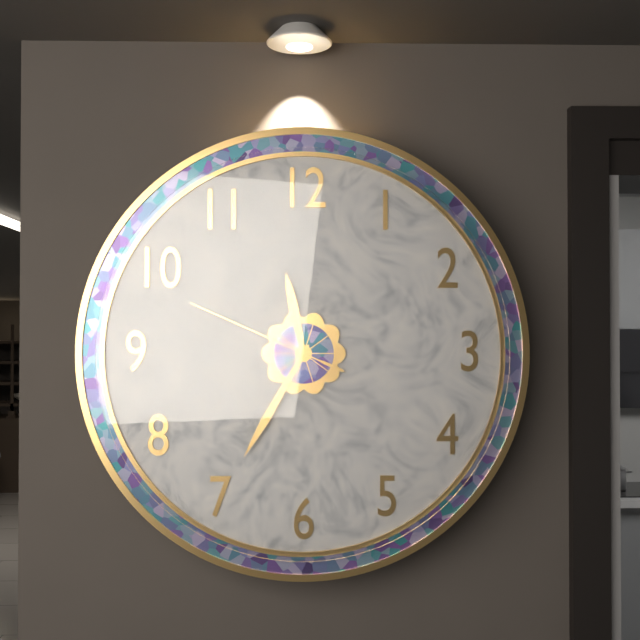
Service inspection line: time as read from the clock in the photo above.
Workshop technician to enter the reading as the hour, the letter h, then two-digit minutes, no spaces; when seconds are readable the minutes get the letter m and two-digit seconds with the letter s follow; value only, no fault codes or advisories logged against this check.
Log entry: 11h35m49s
